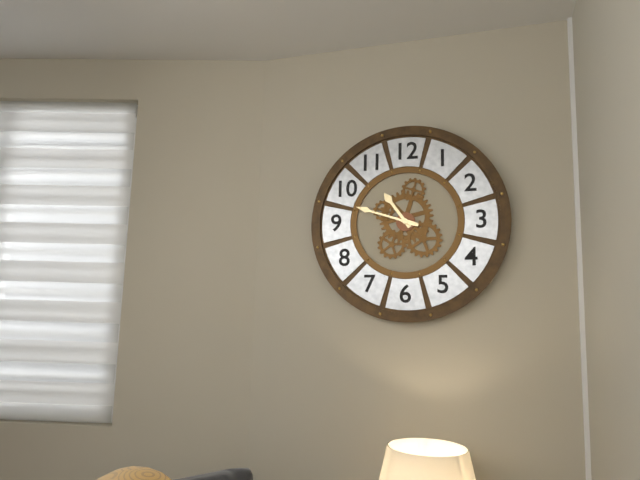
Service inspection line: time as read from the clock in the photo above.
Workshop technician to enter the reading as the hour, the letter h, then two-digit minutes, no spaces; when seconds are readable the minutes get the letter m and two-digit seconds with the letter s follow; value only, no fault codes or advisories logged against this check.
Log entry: 10h48
